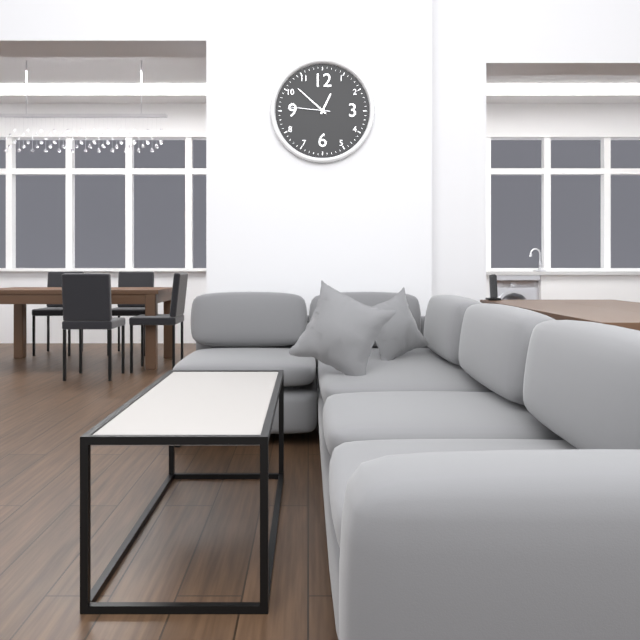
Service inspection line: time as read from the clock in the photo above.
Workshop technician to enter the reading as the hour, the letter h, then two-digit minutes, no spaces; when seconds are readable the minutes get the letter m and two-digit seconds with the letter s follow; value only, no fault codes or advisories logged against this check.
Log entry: 12h52
